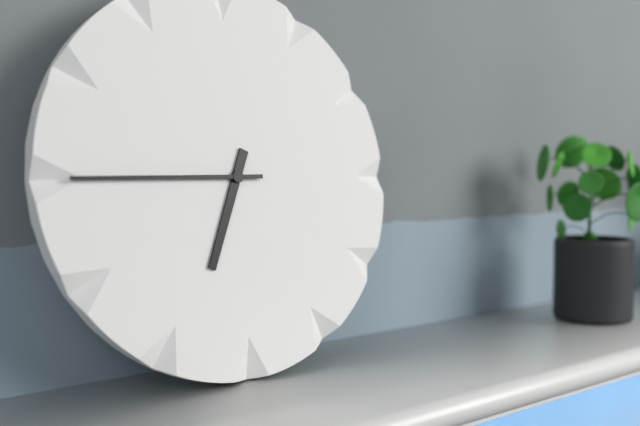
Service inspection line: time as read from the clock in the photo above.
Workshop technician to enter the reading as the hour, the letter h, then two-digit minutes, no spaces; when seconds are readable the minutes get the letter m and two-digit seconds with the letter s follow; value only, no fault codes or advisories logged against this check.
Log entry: 6h45
